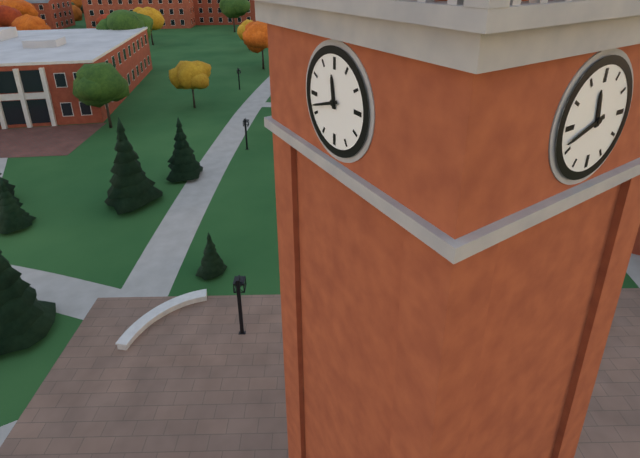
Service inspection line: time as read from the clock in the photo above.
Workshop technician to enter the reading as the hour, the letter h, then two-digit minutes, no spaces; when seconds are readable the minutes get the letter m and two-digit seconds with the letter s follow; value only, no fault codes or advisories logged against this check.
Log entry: 11h42
